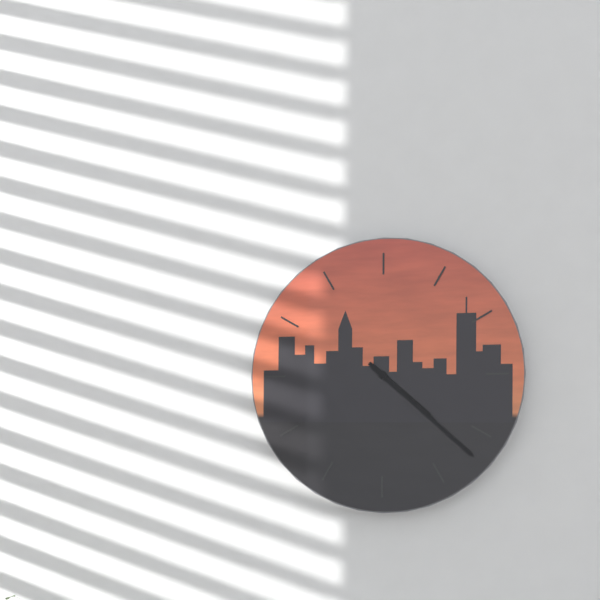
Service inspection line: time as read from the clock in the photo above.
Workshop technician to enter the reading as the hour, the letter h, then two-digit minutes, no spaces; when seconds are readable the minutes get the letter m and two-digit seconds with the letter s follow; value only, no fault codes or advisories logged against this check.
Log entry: 4h22
